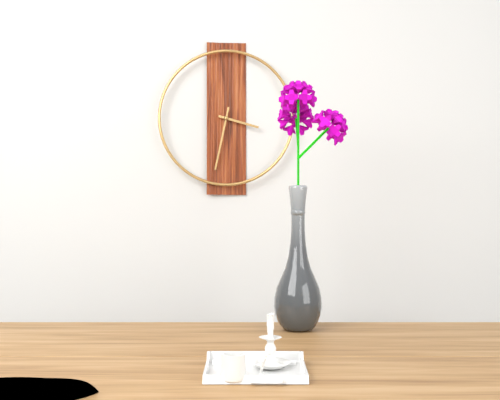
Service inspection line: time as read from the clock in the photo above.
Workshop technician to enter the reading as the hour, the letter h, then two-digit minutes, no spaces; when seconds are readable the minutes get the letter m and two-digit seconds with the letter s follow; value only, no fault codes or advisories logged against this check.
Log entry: 3h32
